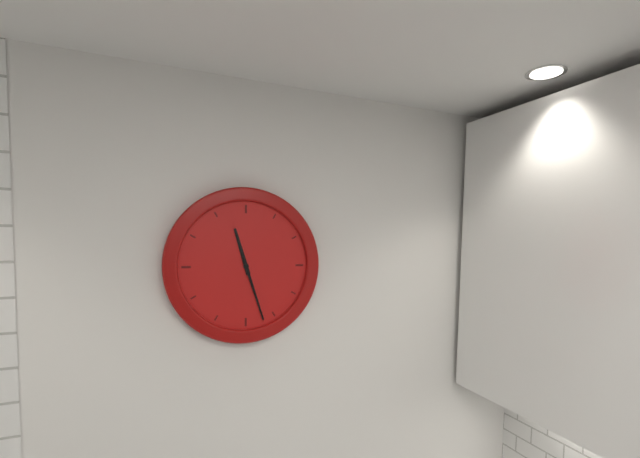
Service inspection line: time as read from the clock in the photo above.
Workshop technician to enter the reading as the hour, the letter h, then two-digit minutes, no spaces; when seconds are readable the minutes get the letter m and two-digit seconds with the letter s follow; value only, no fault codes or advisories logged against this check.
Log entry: 11h27
